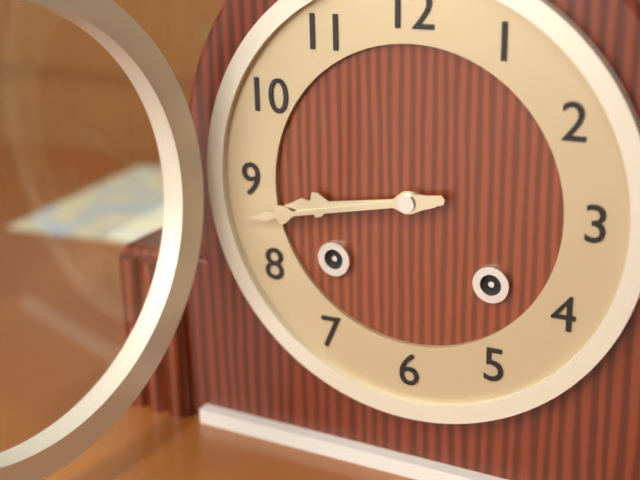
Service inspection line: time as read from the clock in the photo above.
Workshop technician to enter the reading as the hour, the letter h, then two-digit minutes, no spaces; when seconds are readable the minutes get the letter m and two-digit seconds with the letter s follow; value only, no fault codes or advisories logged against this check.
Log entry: 8h43
